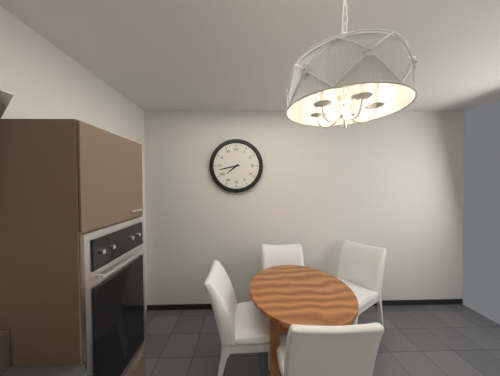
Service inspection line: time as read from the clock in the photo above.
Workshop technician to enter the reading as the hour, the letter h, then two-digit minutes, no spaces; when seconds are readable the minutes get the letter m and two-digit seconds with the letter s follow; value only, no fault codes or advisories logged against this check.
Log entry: 7h43
